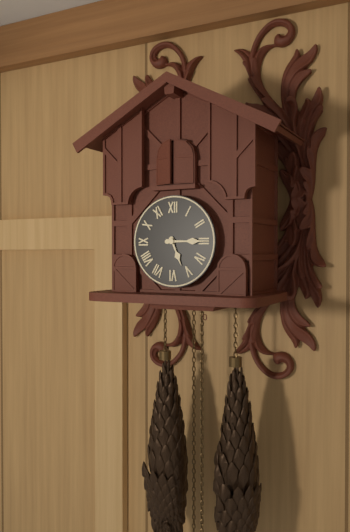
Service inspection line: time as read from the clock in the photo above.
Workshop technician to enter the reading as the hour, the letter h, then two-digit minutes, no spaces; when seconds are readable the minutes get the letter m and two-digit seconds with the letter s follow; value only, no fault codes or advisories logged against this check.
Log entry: 5h15
